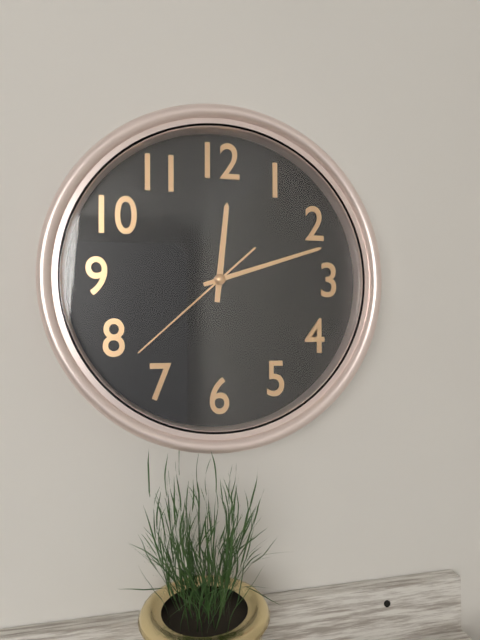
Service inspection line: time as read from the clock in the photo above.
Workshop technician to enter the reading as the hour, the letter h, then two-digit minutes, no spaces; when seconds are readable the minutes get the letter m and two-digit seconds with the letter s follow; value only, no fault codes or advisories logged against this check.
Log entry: 12h12m38s
